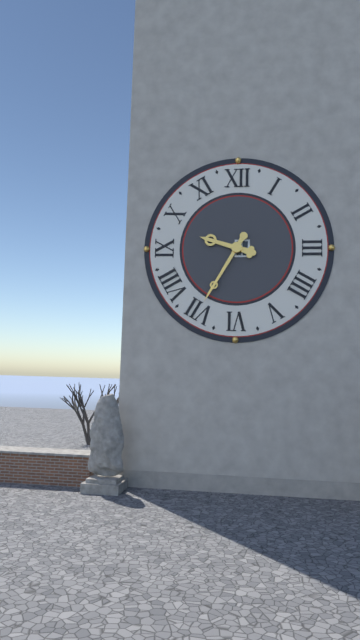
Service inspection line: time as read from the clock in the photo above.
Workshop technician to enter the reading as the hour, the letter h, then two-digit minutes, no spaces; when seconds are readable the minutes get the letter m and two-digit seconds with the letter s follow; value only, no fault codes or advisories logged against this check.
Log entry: 9h35
